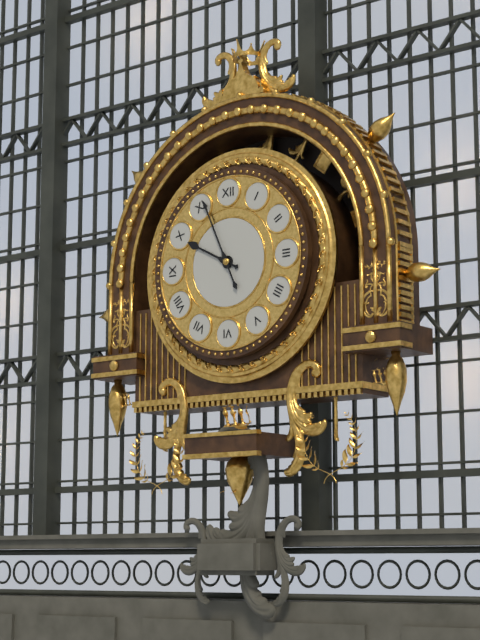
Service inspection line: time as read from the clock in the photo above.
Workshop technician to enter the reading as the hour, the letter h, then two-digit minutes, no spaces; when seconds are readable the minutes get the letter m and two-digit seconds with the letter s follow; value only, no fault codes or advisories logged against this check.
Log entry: 9h56
